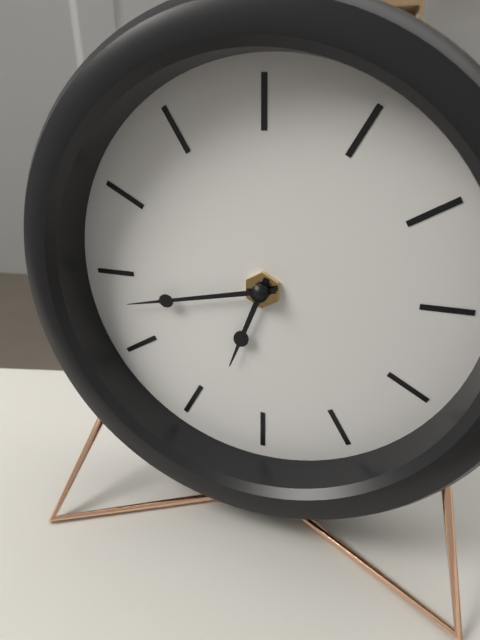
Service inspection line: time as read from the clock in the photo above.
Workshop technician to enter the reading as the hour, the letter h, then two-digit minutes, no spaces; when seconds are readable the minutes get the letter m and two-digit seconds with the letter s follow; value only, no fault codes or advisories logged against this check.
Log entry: 6h43
